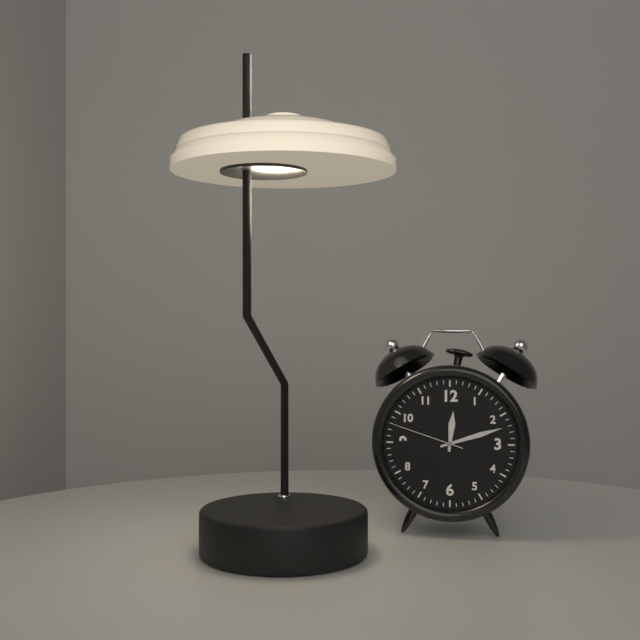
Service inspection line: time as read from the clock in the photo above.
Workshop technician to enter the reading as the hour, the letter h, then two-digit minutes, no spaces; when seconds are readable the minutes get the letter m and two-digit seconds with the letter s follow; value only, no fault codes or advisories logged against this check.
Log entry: 12h12m48s
